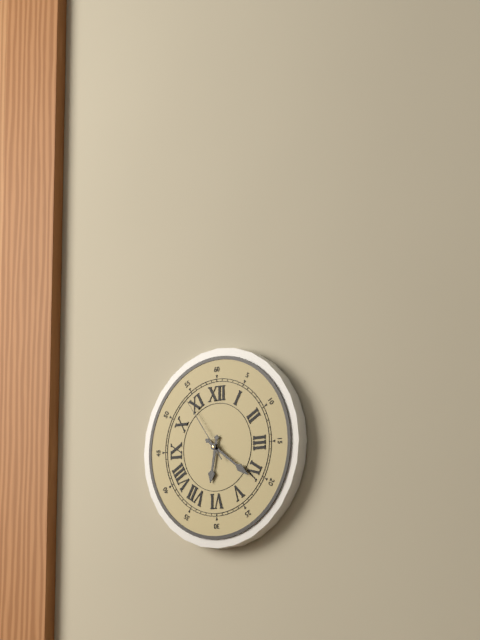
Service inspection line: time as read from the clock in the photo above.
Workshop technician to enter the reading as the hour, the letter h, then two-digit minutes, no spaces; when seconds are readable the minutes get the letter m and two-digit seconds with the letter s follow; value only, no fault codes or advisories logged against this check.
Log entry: 6h21m54s
